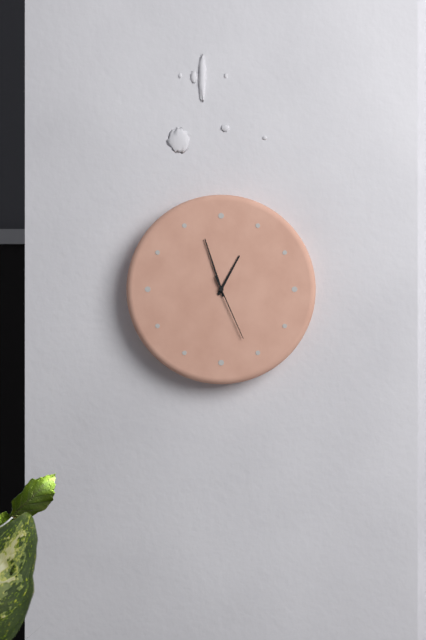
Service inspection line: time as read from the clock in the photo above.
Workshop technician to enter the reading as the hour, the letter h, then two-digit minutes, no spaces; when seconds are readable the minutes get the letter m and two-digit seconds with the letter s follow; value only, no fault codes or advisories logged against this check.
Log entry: 12h57m26s
